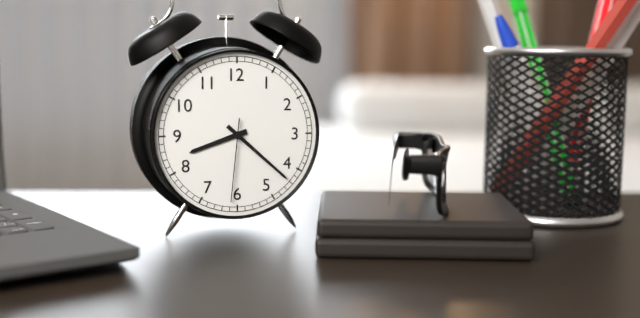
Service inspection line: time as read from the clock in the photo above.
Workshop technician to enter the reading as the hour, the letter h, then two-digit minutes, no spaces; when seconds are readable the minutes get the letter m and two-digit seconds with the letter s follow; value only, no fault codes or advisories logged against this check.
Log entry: 8h22m31s
